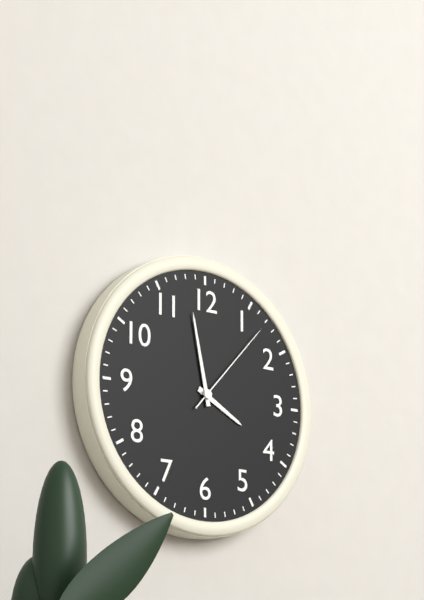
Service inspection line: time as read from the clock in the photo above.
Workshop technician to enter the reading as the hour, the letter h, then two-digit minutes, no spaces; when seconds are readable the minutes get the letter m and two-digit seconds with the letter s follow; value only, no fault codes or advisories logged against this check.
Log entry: 3h58m07s
